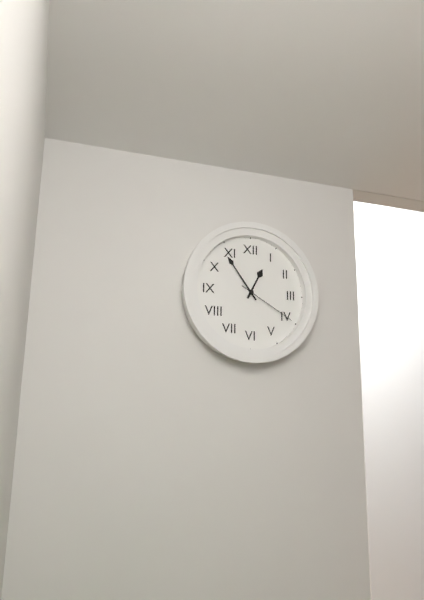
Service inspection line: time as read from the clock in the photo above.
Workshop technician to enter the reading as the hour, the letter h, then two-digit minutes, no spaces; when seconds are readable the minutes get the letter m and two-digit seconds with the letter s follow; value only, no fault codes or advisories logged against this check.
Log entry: 12h54m20s
